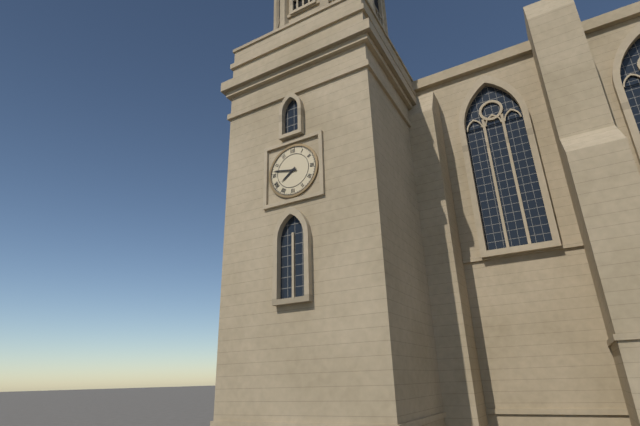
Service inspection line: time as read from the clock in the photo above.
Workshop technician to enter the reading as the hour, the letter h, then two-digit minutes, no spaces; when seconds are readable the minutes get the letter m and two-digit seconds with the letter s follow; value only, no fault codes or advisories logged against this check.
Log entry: 7h47
